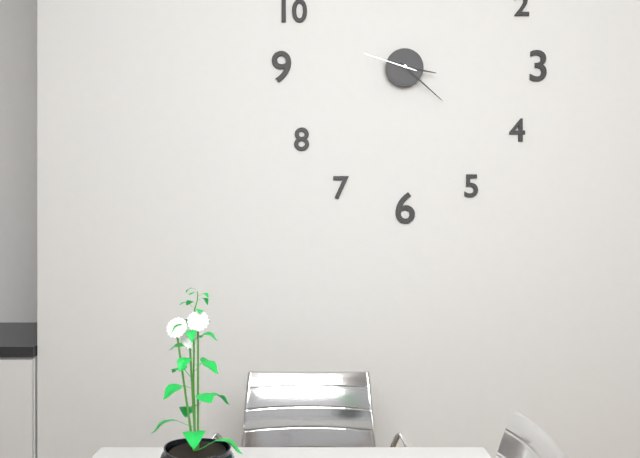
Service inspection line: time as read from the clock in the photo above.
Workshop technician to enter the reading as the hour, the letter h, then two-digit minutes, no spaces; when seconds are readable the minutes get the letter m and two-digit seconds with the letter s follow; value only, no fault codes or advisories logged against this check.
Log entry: 3h22m48s
